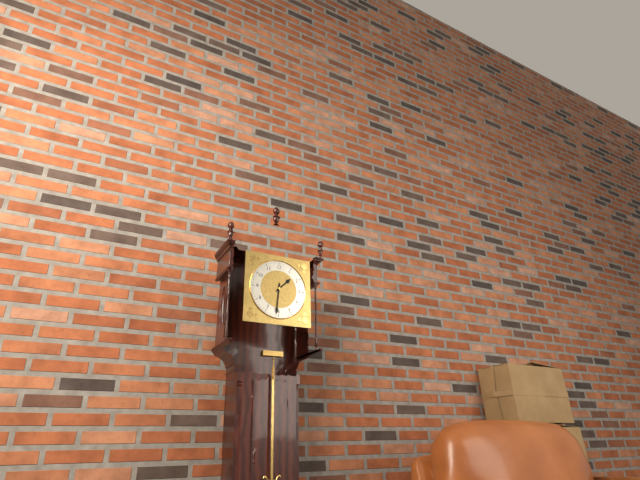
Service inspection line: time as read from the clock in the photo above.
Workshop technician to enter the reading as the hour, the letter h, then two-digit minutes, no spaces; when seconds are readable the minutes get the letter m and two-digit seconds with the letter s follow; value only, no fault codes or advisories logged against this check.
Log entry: 1h31
